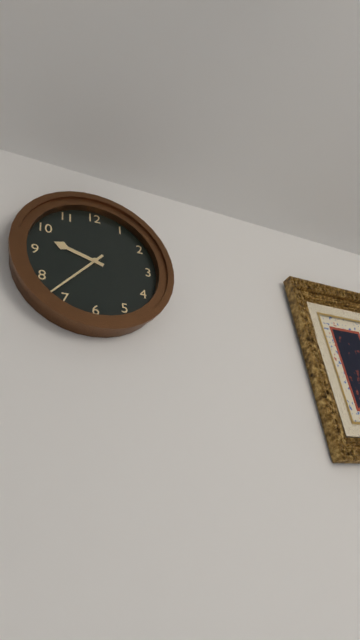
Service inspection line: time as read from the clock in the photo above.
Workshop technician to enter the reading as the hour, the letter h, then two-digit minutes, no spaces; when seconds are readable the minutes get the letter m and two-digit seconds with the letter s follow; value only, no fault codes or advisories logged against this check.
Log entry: 9h37
